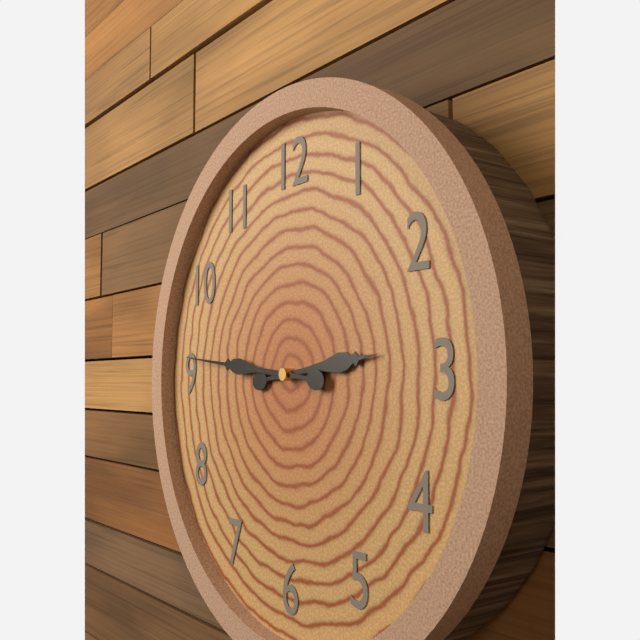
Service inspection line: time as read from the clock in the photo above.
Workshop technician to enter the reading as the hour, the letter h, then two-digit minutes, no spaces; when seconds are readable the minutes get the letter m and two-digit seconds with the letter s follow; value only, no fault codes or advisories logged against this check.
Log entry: 2h46
